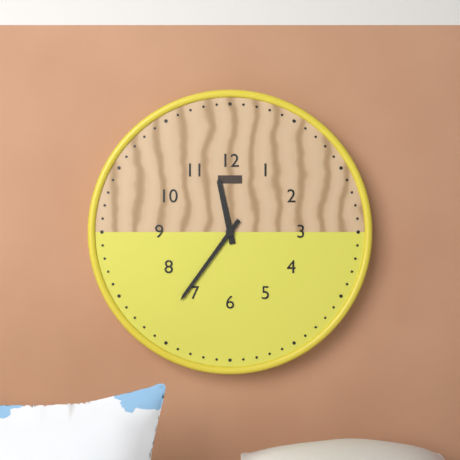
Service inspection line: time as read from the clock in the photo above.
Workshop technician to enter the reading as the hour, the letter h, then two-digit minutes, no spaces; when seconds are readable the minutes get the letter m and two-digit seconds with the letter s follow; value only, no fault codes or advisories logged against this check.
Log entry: 11h36
